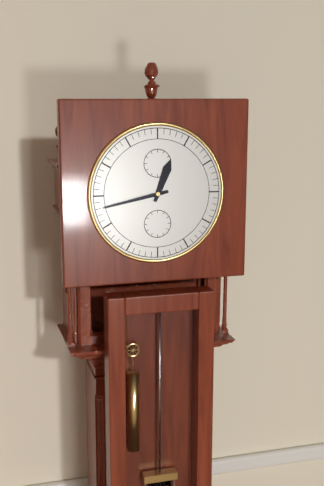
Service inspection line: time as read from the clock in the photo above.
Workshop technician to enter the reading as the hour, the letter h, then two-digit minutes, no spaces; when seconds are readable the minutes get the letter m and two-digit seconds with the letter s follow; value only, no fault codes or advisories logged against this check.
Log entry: 12h43
